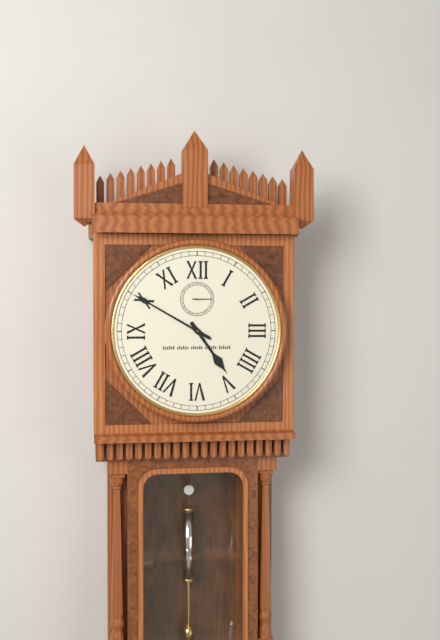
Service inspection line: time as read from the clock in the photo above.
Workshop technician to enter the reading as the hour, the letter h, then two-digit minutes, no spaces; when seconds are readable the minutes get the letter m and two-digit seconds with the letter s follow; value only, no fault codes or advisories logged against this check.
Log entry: 4h50
